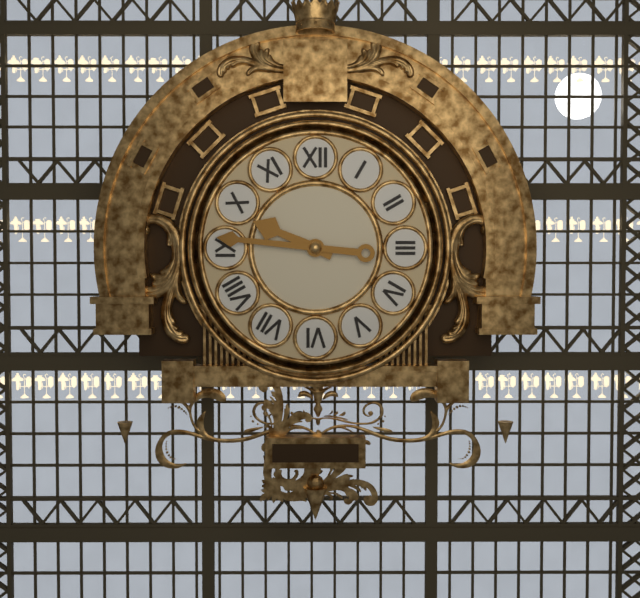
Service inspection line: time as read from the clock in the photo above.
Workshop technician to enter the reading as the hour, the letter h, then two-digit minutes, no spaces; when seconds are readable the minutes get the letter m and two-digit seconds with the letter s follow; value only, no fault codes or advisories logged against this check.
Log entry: 9h46
